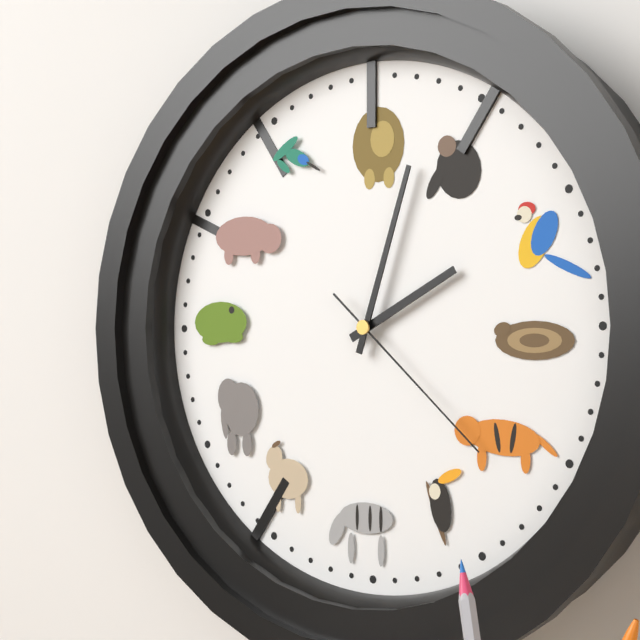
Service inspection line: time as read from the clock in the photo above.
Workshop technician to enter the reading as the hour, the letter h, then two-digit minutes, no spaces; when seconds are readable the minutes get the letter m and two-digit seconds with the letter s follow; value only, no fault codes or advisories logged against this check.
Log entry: 2h03m22s
